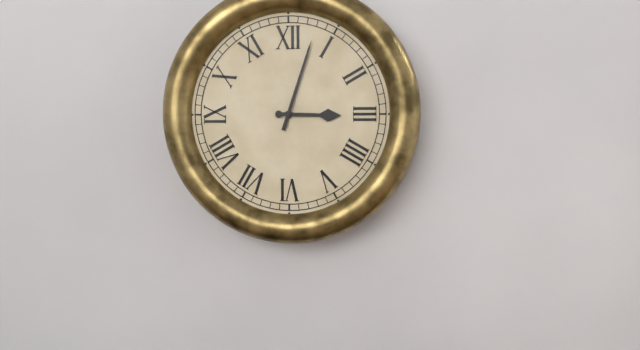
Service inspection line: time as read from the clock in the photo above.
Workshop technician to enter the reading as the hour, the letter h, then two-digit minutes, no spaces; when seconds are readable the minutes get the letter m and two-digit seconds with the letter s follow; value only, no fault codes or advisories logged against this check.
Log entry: 3h03
